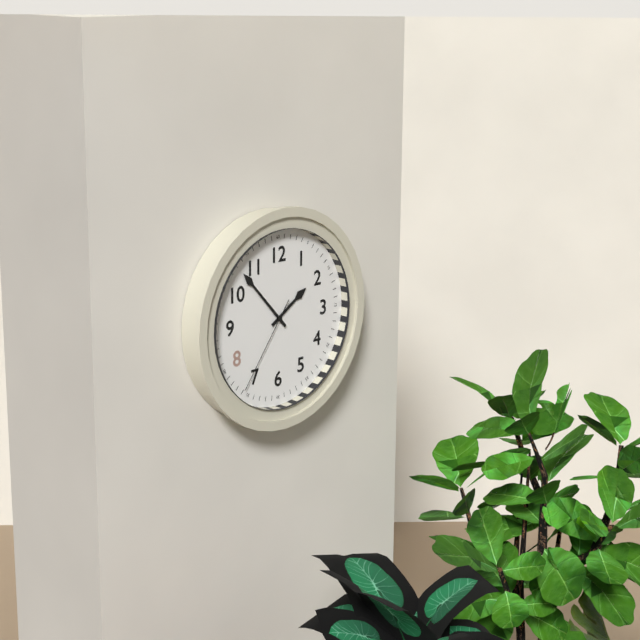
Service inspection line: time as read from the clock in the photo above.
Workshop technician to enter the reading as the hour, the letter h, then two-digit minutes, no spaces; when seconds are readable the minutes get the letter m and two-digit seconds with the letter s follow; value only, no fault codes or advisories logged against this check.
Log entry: 1h53m36s
